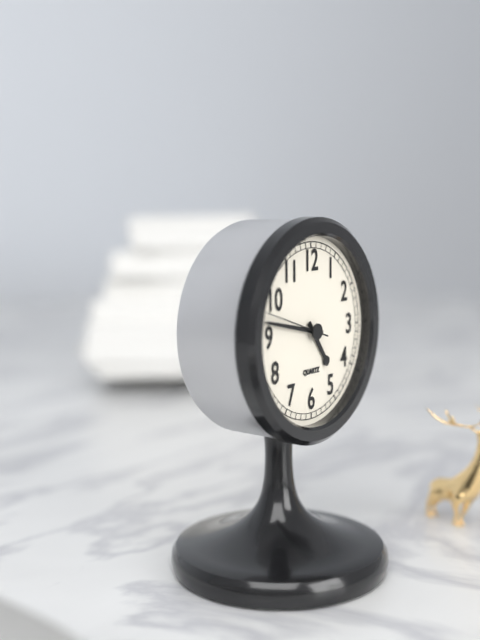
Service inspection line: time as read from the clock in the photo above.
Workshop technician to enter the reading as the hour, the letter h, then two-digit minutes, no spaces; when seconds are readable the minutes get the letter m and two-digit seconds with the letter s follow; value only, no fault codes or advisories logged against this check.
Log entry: 4h47m48s
